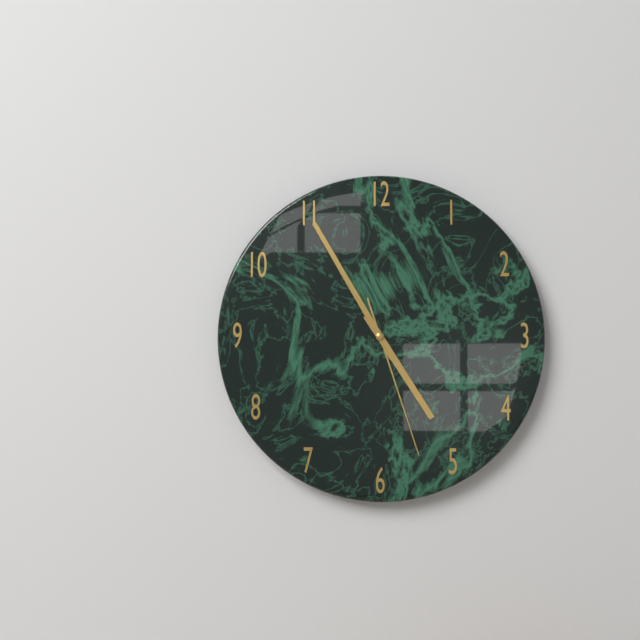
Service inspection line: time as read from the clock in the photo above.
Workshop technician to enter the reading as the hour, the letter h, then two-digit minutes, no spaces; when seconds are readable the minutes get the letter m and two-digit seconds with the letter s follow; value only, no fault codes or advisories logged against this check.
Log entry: 4h55m27s
